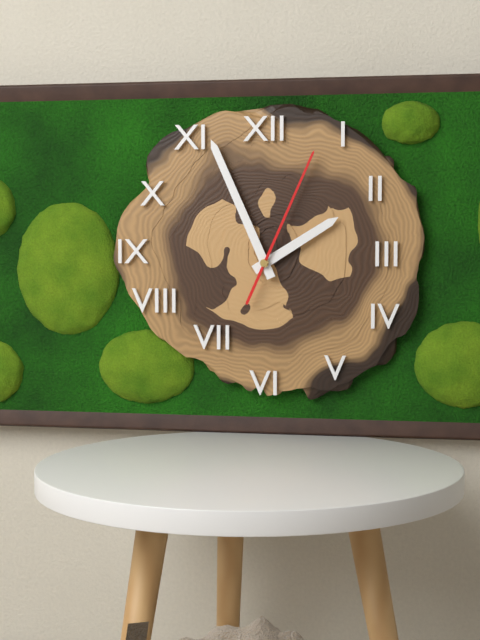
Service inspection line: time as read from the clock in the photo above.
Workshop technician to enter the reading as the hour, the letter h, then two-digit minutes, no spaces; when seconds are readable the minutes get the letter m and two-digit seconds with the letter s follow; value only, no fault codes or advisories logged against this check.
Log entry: 1h56m04s
